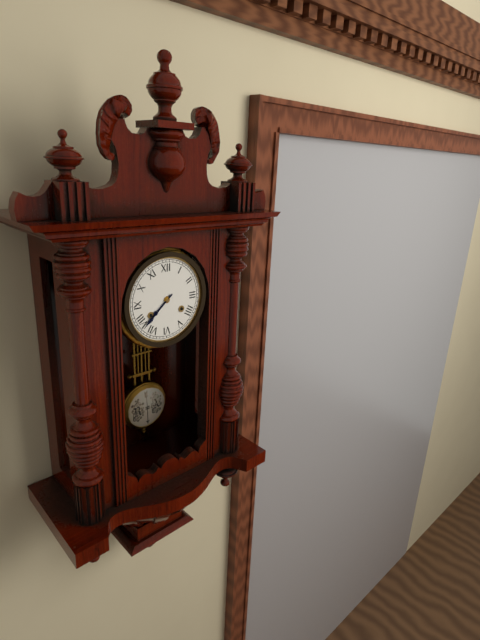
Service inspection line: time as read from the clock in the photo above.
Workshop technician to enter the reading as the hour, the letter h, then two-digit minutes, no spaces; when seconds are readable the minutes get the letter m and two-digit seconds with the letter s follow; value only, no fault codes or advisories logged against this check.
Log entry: 7h38
